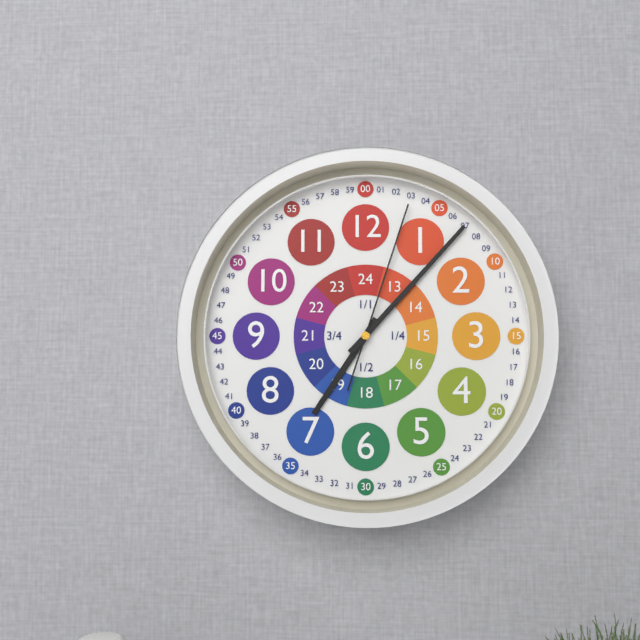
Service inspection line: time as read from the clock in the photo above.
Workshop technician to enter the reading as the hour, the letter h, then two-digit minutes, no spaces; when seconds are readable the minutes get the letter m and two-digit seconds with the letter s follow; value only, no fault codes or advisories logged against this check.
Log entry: 7h07m03s
